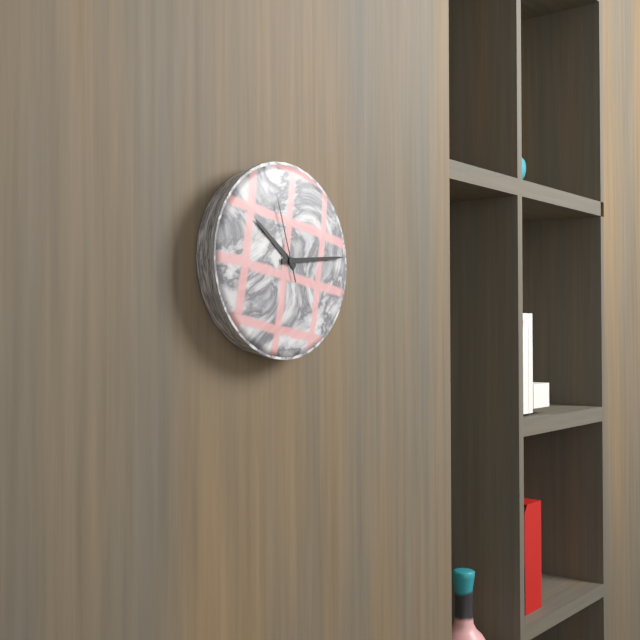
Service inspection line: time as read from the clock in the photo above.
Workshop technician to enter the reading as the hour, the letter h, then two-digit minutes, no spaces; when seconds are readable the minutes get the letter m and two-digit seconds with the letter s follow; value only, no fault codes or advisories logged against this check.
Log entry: 10h14m57s
